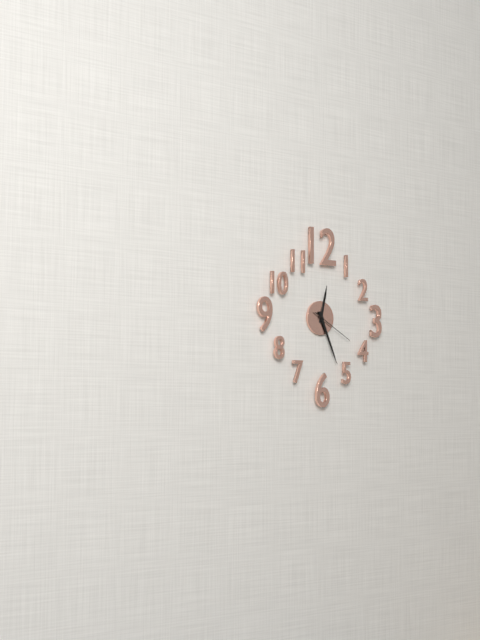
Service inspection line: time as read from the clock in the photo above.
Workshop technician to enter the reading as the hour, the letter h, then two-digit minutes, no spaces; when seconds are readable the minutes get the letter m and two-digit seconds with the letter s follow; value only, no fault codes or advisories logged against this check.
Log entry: 12h26
